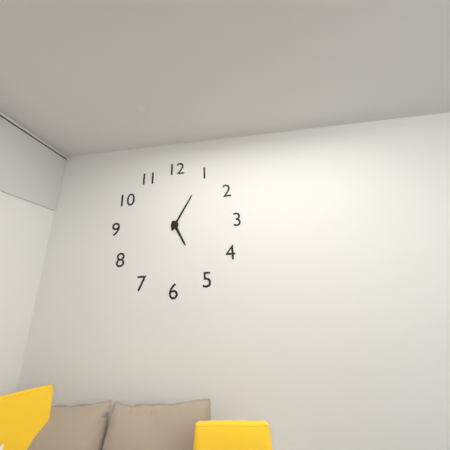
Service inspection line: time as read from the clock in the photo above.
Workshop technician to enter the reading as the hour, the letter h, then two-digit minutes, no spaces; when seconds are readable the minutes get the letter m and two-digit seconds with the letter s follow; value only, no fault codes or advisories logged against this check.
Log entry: 5h05
